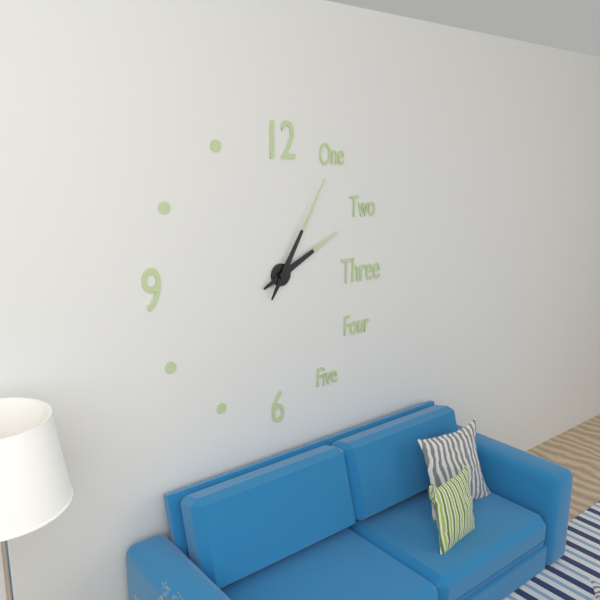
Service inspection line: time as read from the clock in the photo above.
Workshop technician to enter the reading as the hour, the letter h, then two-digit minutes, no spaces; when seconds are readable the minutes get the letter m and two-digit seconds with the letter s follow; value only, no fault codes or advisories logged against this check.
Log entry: 2h05
